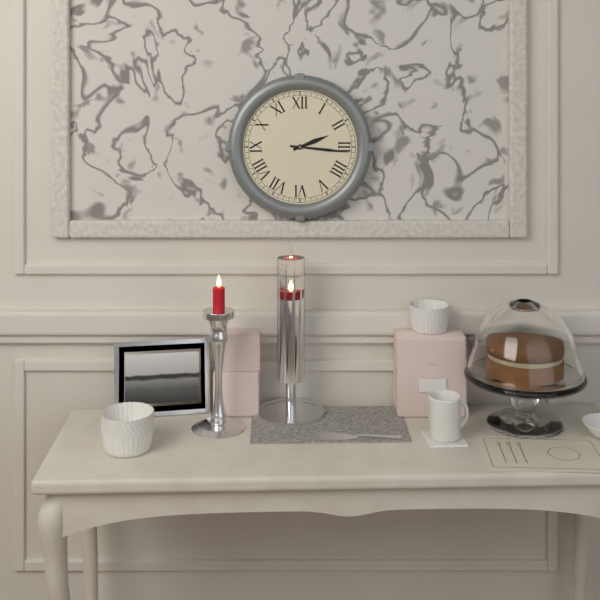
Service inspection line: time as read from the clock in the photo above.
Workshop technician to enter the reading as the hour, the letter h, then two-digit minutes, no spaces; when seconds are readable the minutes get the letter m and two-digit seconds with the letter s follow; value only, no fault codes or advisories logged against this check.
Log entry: 2h16
